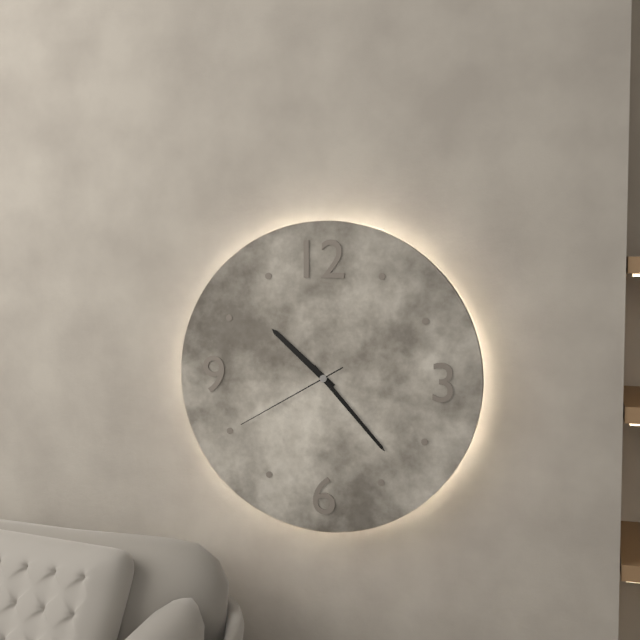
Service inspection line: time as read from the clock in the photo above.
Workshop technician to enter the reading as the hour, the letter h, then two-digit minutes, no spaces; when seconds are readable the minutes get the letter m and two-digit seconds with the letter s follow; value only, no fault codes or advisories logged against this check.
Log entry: 10h23m40s
